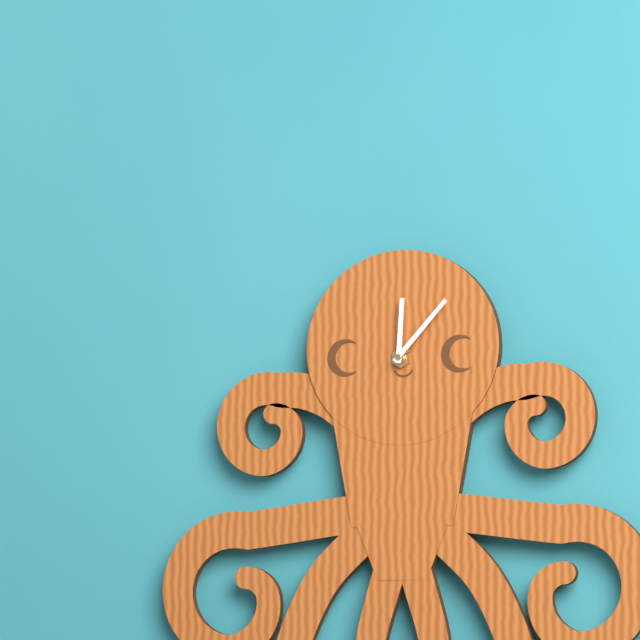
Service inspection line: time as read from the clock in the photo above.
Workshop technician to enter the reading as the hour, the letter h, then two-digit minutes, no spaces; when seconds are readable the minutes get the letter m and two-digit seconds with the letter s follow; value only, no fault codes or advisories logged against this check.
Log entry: 12h07
